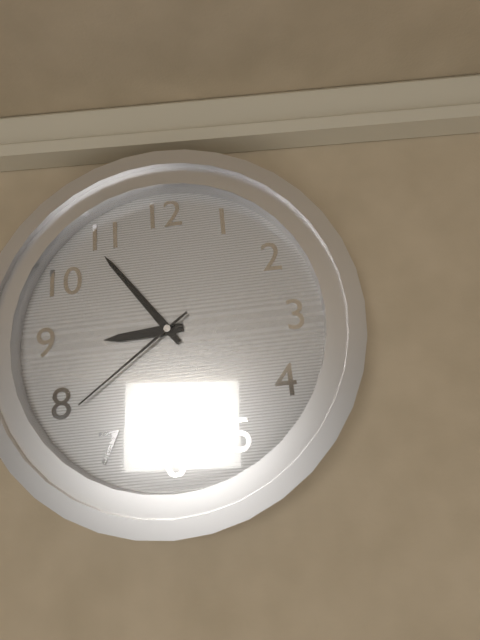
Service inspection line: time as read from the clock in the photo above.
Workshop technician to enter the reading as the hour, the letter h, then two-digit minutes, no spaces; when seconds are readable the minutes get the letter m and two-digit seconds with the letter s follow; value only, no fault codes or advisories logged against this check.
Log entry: 8h54m39s
